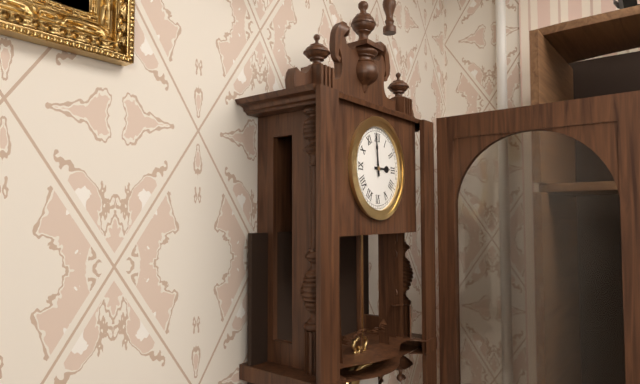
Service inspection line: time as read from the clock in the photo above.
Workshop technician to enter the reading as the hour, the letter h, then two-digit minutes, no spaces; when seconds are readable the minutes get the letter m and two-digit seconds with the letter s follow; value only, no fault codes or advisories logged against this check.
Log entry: 2h59
